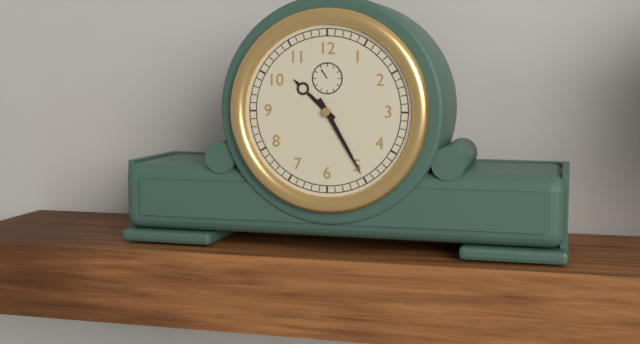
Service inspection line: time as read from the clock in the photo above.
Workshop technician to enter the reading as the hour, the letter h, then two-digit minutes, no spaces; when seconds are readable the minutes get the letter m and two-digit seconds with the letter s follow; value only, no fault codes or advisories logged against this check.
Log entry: 10h25
